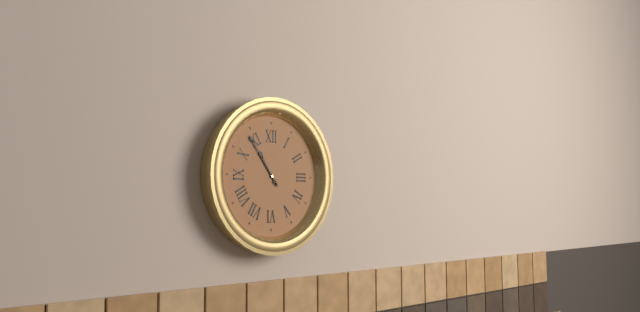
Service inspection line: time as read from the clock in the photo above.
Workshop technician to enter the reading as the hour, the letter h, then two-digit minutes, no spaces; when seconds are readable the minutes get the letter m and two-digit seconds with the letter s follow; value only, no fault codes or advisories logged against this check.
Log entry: 10h54
